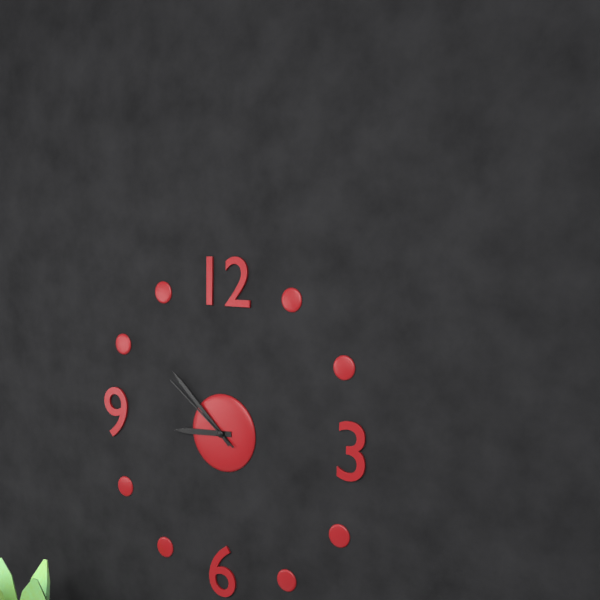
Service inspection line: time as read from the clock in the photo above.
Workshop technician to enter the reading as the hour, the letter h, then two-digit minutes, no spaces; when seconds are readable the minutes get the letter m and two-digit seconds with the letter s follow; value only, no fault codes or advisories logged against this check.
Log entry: 8h52m51s
